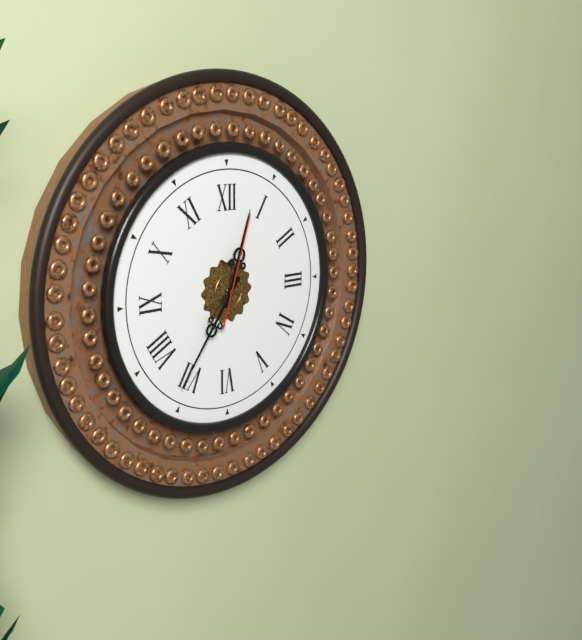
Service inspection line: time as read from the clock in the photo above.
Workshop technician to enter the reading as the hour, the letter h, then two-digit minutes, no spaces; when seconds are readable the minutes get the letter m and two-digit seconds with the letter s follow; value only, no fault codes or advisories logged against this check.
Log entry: 12h36m03s
